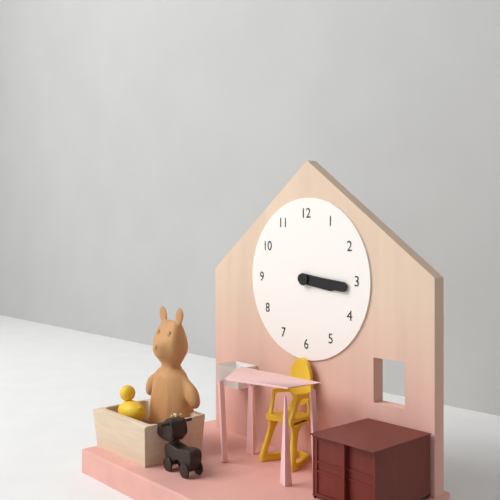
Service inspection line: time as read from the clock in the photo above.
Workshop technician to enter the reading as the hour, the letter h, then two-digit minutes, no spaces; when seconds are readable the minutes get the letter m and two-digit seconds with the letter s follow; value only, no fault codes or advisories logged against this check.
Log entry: 3h16
